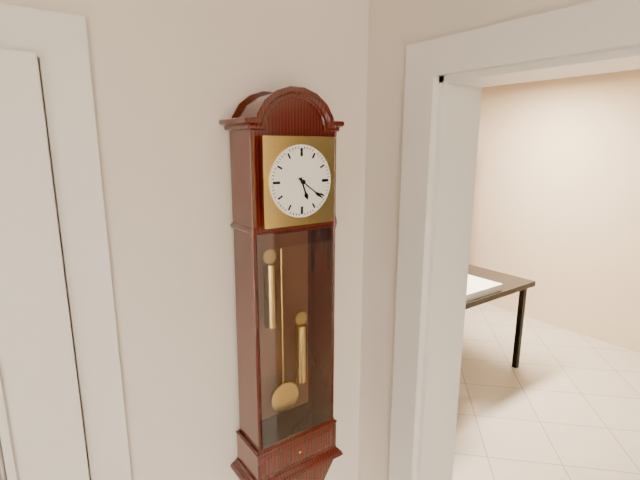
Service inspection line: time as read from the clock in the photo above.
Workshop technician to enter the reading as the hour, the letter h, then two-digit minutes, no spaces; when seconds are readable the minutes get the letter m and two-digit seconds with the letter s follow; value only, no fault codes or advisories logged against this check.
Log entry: 5h21
